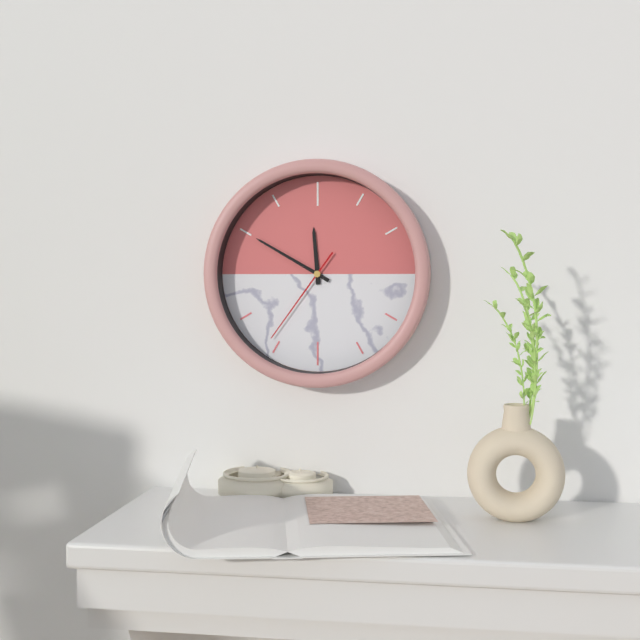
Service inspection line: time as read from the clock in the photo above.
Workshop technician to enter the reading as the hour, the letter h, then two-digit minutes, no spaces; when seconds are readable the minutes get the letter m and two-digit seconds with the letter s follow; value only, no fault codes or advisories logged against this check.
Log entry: 11h50m36s
